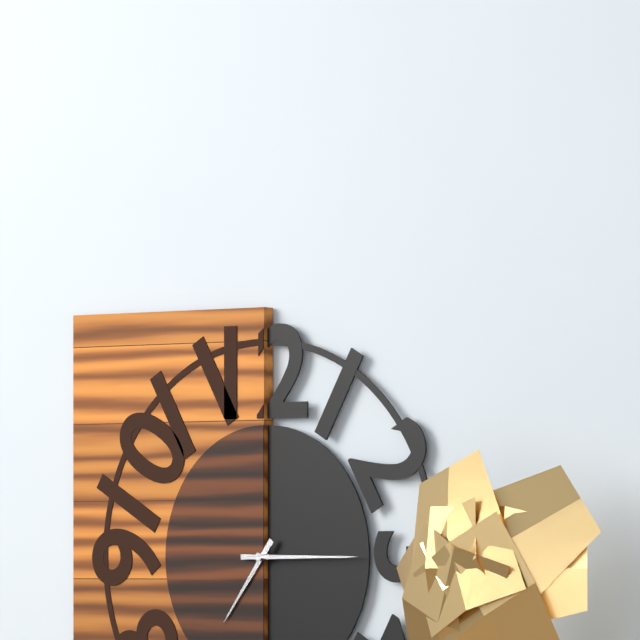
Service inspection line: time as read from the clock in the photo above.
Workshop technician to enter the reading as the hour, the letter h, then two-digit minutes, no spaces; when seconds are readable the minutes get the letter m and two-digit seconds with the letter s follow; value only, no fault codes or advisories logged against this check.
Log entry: 7h15
